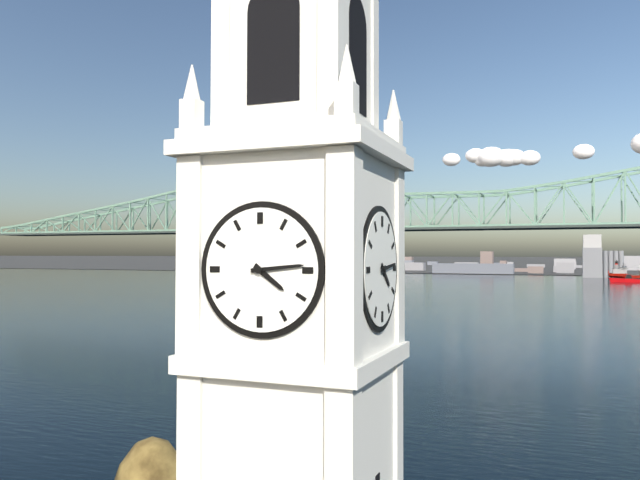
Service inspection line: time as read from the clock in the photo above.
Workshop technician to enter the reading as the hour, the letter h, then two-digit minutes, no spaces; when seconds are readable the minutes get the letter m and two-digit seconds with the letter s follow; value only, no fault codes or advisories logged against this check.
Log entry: 4h14
